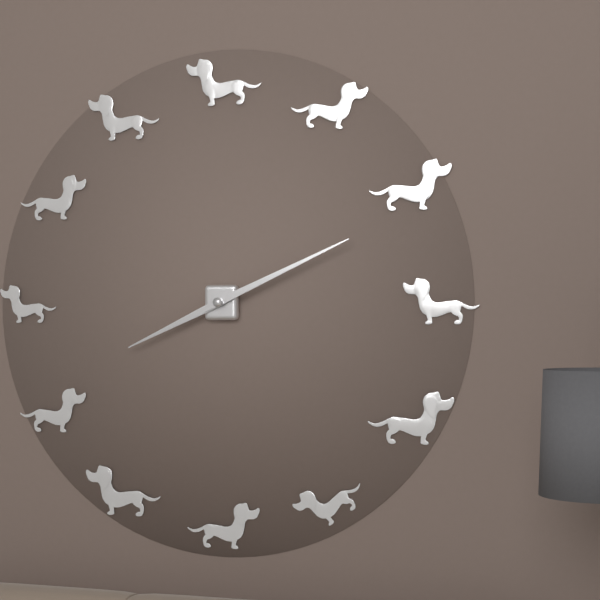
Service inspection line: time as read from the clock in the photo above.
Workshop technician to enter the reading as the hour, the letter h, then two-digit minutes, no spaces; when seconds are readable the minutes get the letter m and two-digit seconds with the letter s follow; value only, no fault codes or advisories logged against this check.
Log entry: 8h11
